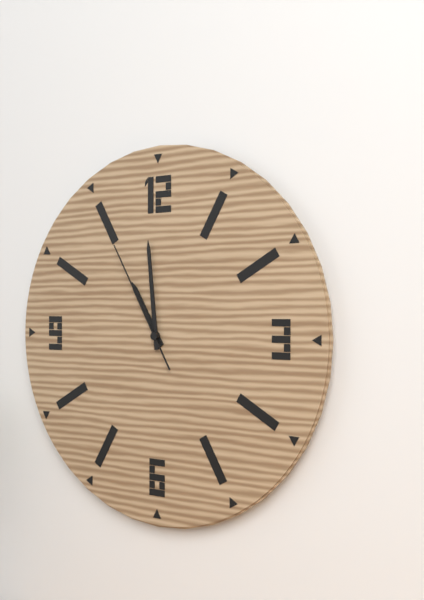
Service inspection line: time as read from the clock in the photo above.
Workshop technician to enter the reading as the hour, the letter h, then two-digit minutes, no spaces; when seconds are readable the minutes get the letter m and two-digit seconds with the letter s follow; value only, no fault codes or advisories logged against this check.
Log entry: 10h59m55s
